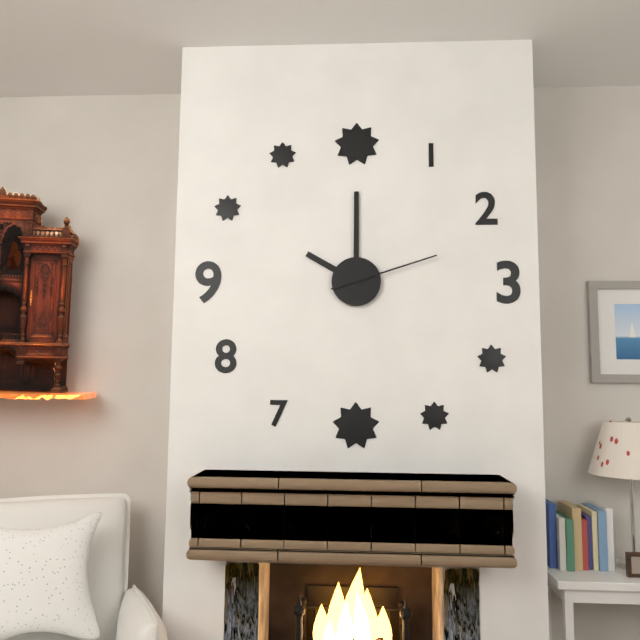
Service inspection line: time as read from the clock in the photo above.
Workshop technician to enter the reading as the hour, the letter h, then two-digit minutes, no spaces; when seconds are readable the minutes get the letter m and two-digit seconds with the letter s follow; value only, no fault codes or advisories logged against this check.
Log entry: 10h00m12s
